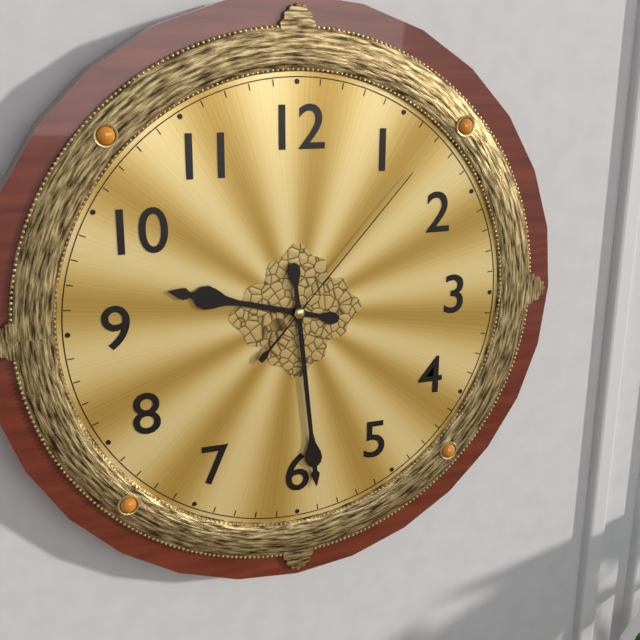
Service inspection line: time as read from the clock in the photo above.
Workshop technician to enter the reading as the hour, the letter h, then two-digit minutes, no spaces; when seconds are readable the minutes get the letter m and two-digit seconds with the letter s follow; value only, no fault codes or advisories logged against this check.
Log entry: 9h29m07s
